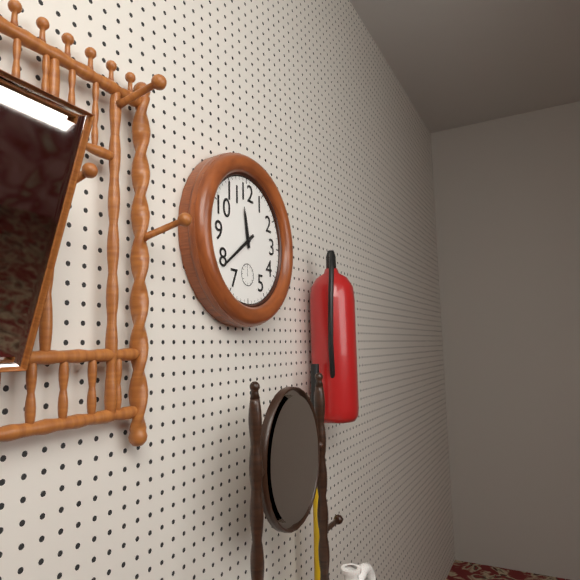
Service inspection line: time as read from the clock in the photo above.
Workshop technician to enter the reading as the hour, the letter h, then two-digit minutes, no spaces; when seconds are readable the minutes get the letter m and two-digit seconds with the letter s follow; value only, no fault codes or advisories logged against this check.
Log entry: 11h39
